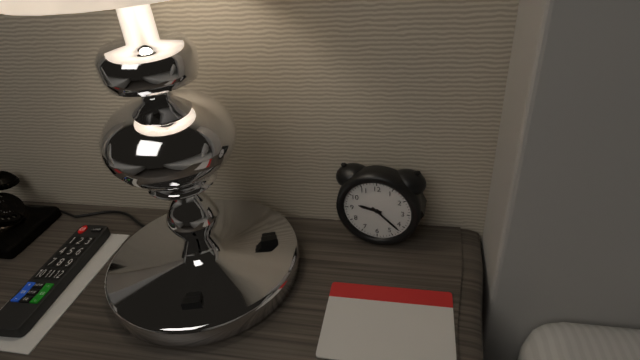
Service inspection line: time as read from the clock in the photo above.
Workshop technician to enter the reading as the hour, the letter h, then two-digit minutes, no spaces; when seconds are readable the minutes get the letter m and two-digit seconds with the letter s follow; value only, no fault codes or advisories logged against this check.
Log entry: 9h22
